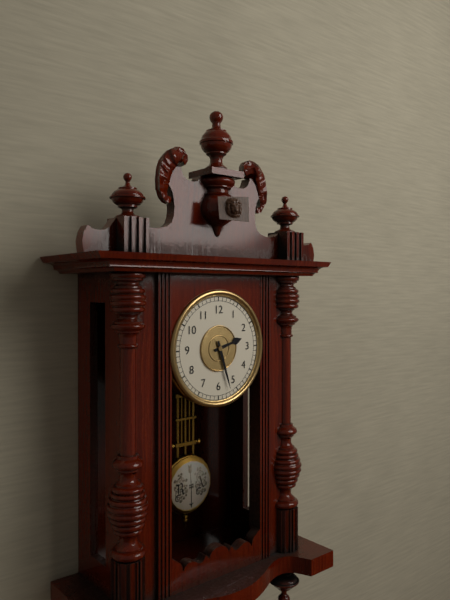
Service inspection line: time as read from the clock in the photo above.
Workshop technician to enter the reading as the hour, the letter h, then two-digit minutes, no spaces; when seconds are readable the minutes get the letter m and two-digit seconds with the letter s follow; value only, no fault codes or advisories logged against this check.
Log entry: 2h27
